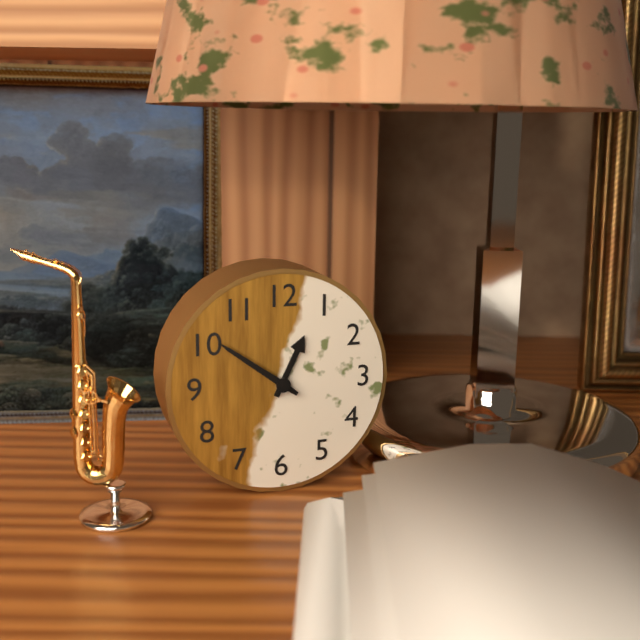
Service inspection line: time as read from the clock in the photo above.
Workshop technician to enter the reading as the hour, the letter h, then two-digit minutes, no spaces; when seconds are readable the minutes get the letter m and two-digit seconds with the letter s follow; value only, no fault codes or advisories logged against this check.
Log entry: 12h51
